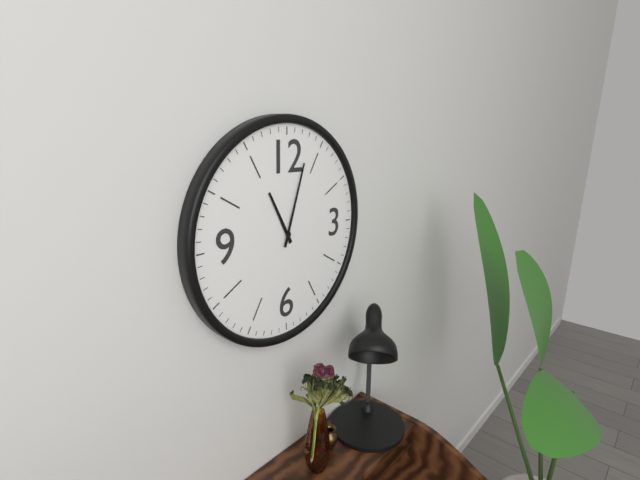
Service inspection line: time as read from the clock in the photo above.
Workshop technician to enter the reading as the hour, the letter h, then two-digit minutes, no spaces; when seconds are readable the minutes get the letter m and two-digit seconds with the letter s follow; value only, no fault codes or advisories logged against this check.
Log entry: 11h03
